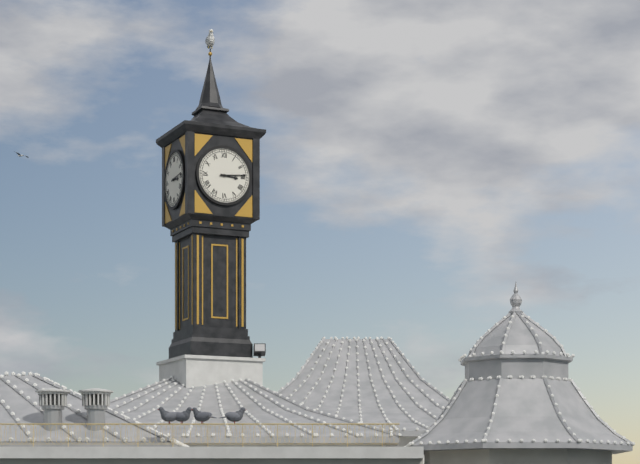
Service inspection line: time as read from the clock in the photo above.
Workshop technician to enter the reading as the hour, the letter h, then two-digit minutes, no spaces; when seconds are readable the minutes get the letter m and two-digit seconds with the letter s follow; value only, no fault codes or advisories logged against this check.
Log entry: 3h14
